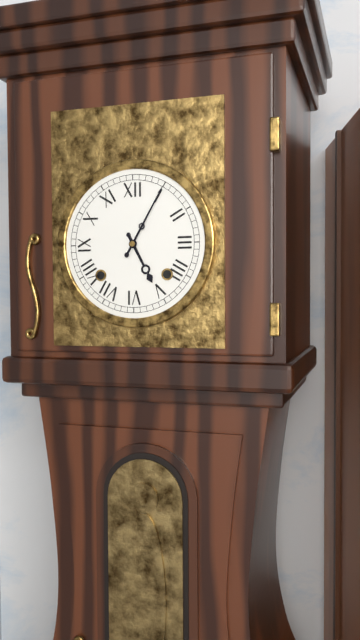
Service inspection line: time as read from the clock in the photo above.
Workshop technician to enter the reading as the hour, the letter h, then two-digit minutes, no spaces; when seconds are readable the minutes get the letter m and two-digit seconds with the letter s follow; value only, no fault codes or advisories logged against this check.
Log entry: 5h05
